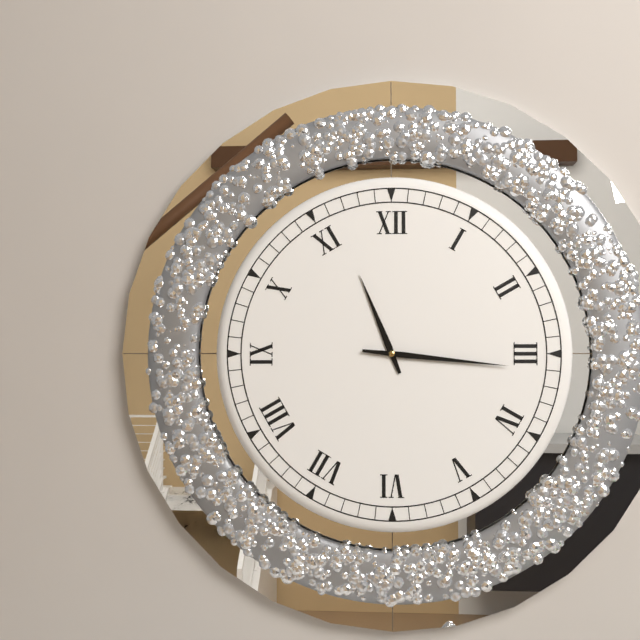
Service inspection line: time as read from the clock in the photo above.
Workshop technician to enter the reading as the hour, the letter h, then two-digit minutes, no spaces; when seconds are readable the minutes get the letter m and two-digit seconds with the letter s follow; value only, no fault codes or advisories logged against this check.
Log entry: 11h16
